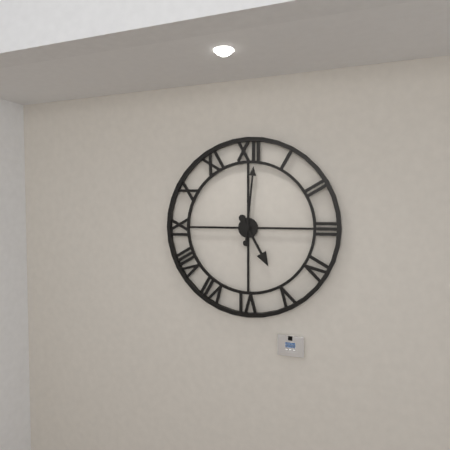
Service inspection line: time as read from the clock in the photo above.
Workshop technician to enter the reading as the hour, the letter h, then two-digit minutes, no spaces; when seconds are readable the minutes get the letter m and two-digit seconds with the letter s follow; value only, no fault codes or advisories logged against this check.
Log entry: 5h01
